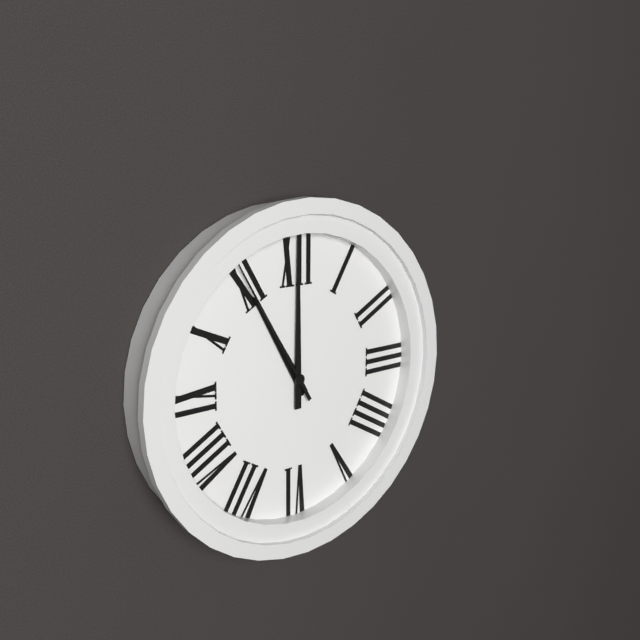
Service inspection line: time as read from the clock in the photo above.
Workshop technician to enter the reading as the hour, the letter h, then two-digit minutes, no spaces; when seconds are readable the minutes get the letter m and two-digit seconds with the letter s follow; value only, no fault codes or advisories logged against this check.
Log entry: 11h00m55s
